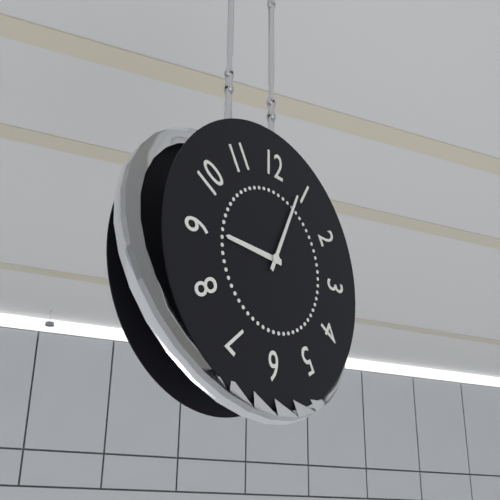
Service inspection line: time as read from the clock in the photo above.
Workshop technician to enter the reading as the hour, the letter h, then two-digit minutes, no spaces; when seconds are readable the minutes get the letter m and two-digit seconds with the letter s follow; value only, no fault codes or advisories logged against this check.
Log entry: 9h04
